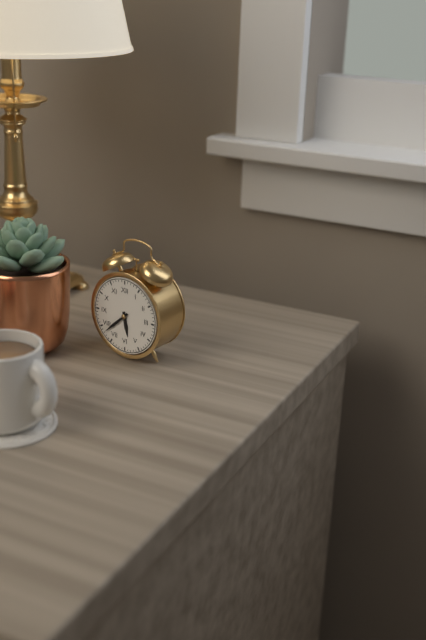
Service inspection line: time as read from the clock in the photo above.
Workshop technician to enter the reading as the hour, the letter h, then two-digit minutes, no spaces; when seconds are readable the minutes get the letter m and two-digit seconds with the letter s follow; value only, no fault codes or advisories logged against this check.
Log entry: 5h38
